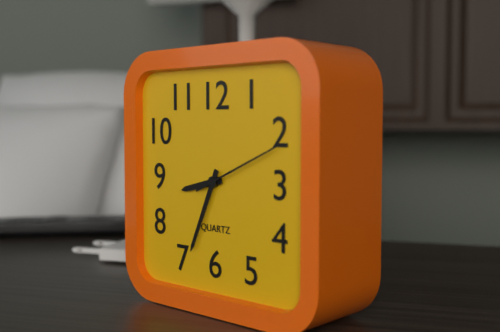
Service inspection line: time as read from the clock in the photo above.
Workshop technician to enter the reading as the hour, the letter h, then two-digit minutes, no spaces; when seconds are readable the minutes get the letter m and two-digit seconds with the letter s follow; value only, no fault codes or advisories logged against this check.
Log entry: 8h34m11s
